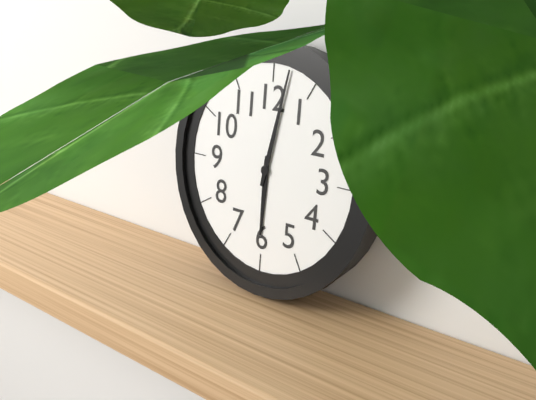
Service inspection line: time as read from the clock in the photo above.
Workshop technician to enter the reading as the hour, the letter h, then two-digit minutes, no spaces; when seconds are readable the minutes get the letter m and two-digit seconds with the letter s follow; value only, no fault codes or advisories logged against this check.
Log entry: 6h02
